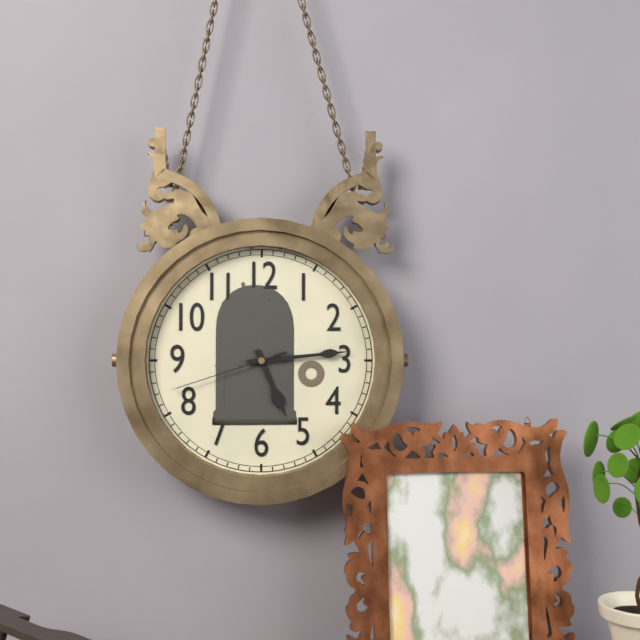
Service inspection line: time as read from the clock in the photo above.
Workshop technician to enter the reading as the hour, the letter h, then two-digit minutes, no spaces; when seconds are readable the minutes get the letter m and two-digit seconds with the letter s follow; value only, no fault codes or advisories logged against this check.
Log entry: 5h14m42s
